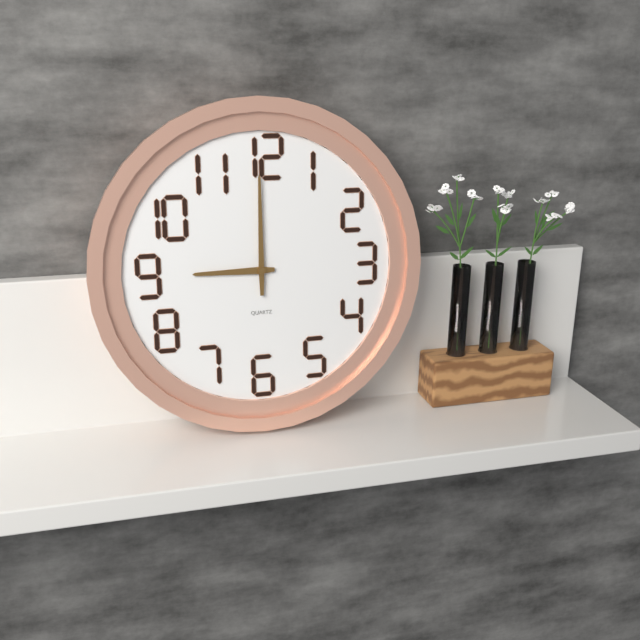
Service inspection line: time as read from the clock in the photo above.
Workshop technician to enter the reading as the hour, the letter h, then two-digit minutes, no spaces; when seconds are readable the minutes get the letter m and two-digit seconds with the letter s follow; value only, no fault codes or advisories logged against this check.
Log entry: 9h00
